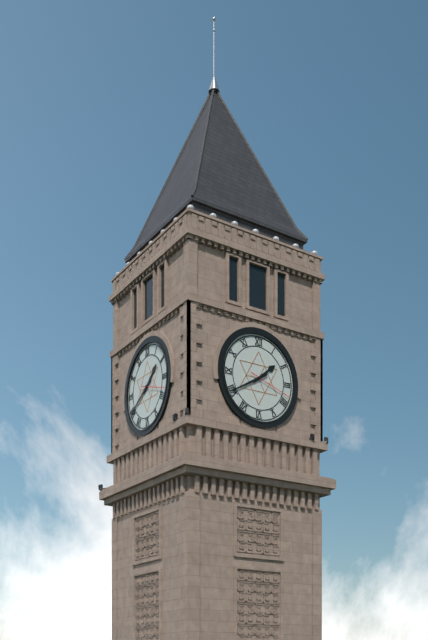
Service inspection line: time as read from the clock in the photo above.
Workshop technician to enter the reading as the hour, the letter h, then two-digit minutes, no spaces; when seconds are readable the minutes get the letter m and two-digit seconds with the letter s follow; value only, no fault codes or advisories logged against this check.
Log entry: 1h40
